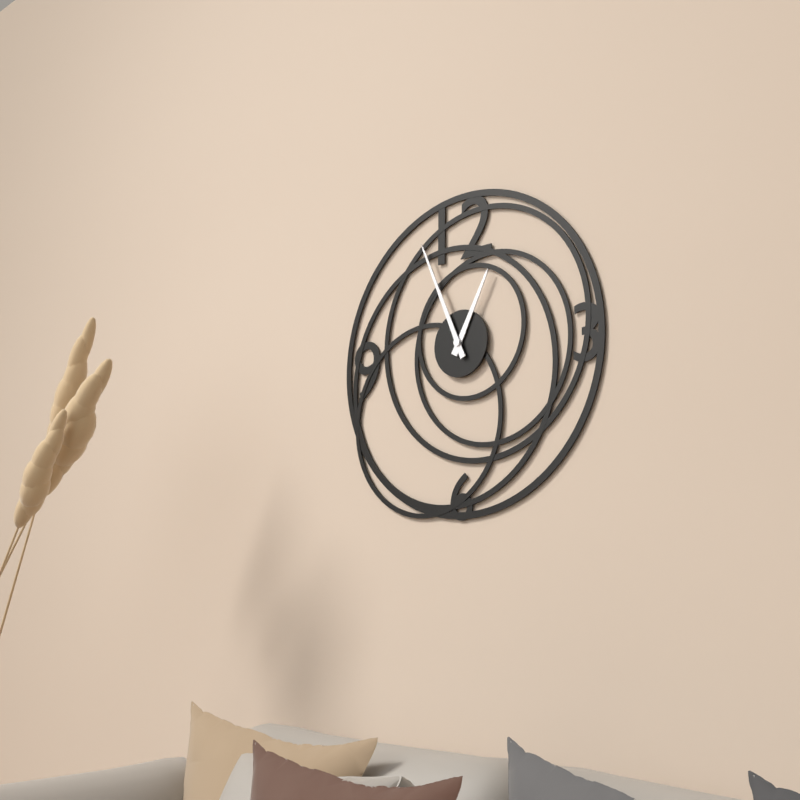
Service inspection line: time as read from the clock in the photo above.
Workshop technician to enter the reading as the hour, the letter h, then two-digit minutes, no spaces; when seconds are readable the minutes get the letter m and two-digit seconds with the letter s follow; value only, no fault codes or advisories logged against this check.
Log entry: 12h56
